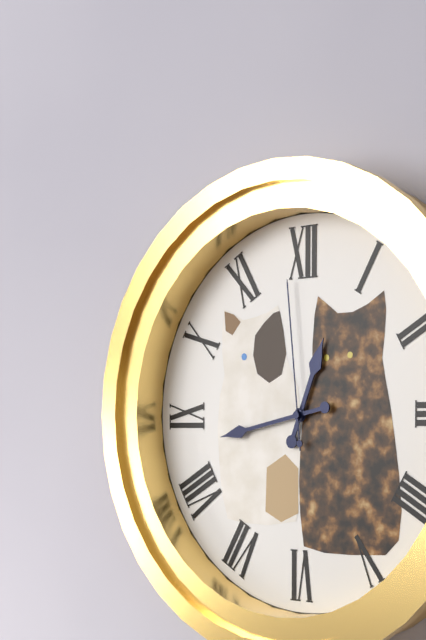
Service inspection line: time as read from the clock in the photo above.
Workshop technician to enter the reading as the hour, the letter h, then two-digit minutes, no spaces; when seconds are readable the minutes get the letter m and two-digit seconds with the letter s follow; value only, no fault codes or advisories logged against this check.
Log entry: 12h43m59s
